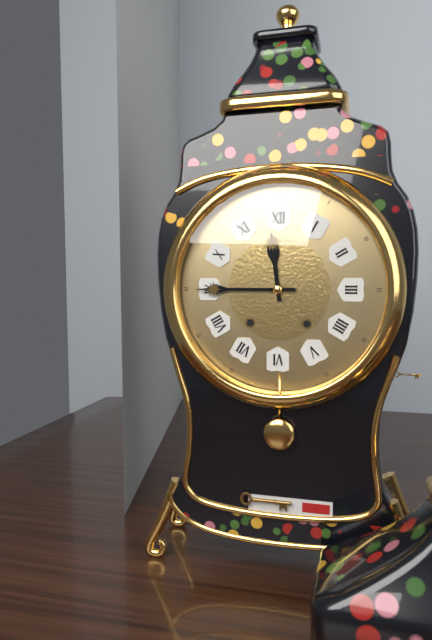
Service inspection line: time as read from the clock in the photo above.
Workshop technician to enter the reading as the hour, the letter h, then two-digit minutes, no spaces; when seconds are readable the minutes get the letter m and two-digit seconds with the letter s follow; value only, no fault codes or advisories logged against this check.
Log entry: 11h45
